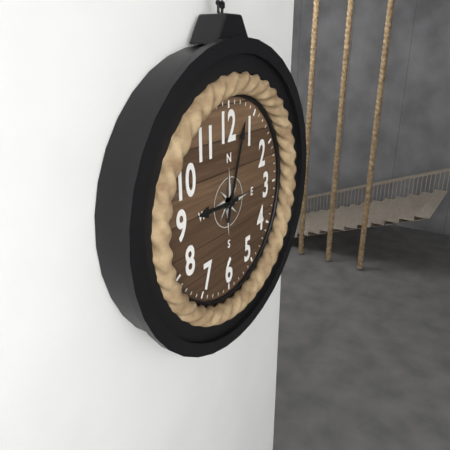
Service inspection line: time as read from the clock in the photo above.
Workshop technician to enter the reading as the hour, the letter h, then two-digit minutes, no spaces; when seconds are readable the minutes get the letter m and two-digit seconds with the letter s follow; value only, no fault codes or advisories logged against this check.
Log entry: 9h03
